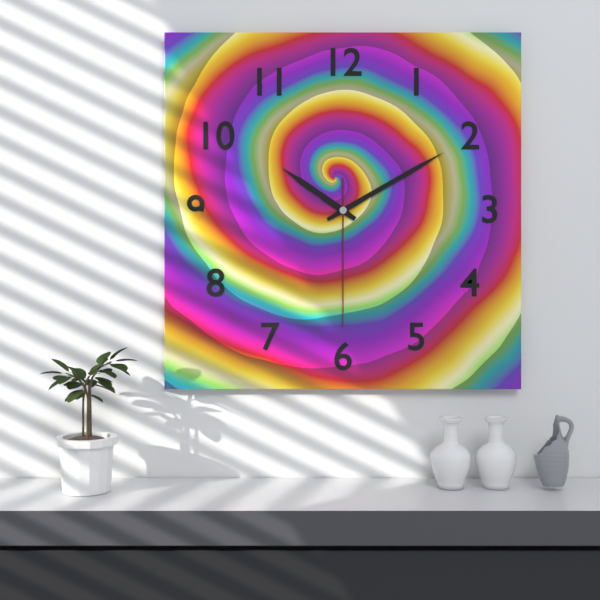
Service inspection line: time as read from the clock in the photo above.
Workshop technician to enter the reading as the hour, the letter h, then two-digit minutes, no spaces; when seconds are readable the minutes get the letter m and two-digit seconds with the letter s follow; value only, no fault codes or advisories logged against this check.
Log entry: 10h10m30s
